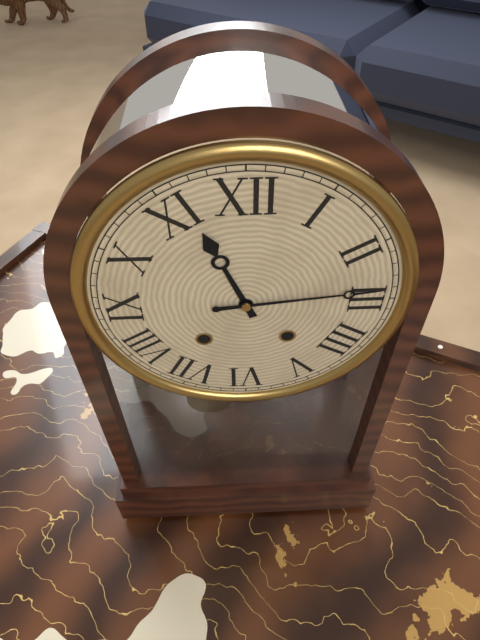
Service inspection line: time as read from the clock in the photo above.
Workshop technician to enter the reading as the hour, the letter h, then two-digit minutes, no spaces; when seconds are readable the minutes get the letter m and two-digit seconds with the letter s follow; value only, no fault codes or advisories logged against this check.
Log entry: 11h14
